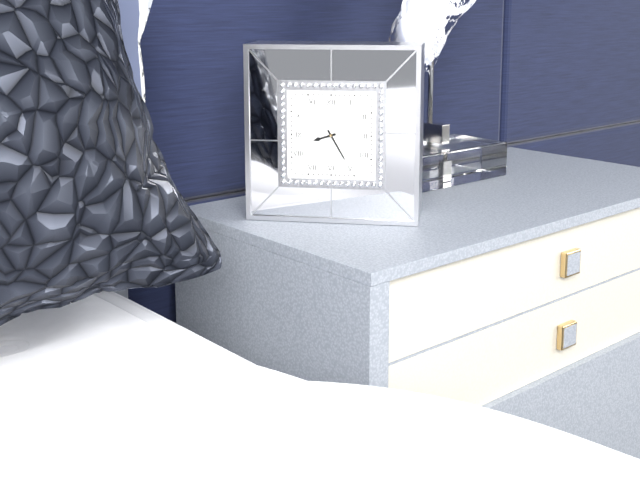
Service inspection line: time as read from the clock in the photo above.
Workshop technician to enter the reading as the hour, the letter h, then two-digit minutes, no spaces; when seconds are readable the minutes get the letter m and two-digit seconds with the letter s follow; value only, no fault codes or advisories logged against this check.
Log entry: 8h25
